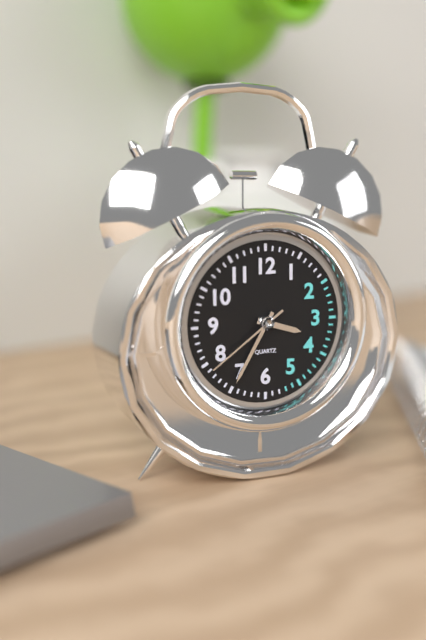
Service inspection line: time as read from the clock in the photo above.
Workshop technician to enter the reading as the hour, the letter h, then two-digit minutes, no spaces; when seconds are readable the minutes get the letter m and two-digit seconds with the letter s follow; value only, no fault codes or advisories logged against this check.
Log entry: 3h35m39s
